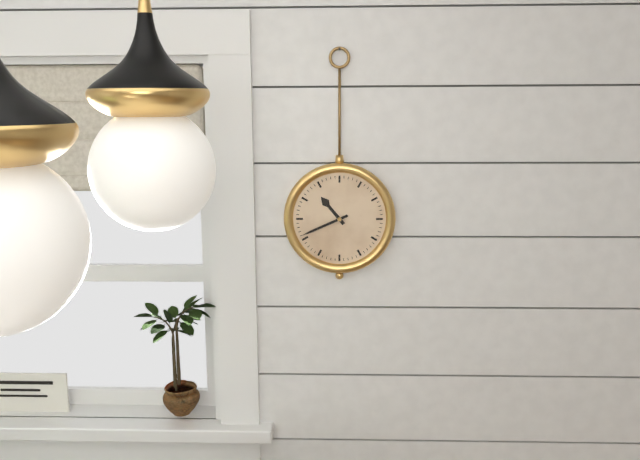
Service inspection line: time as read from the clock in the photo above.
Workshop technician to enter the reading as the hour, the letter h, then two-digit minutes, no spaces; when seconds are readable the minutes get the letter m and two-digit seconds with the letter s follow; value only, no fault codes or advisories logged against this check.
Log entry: 10h41
